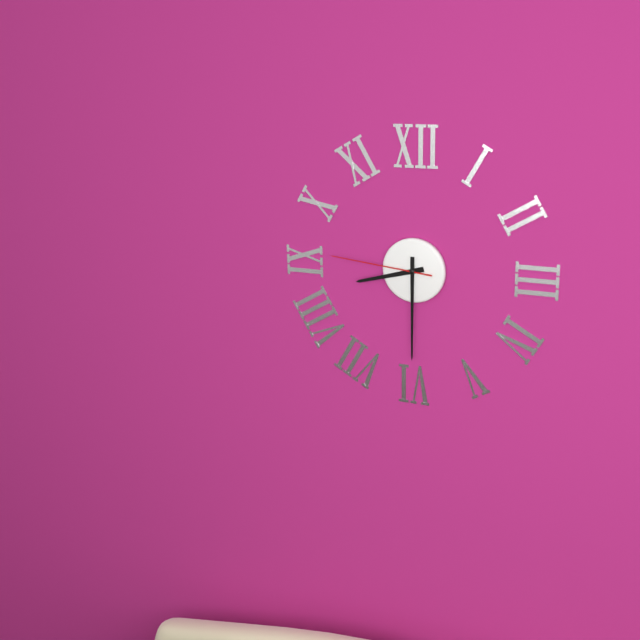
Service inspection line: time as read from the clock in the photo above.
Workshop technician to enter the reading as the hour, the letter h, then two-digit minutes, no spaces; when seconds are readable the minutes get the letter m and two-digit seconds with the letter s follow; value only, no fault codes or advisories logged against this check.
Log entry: 8h30m46s
